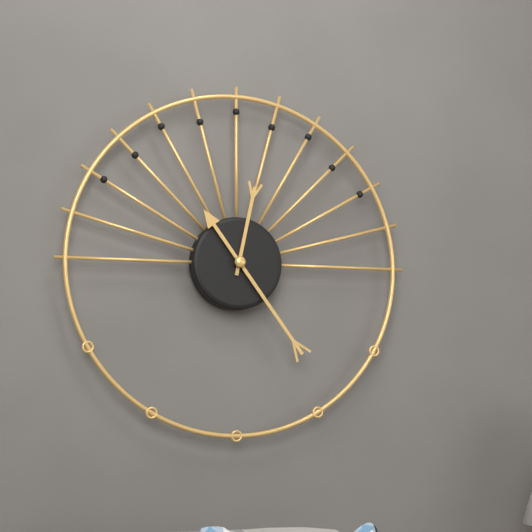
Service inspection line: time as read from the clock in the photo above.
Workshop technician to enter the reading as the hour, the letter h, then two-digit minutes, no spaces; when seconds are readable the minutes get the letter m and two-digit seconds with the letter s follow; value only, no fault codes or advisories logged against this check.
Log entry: 12h24
